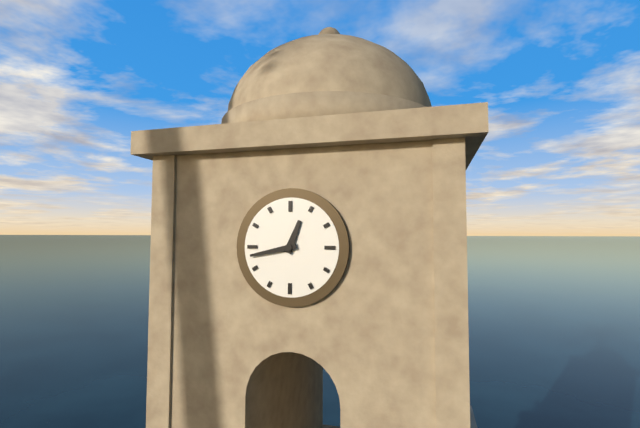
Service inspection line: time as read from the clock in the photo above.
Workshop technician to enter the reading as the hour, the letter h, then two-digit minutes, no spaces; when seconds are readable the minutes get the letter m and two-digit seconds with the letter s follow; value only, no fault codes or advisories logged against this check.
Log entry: 12h43
